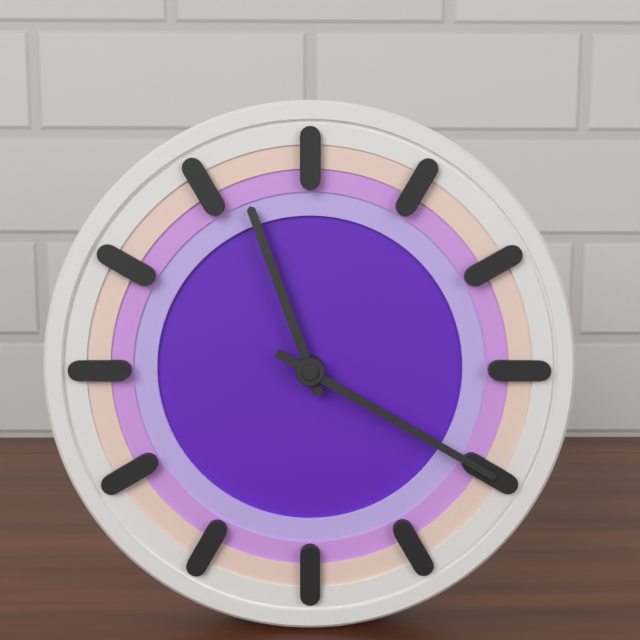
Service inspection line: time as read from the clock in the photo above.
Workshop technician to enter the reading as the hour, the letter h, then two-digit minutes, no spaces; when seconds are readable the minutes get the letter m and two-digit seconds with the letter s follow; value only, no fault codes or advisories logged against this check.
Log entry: 11h20
